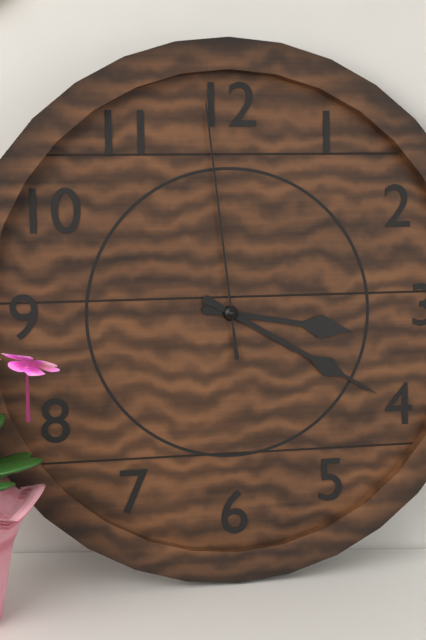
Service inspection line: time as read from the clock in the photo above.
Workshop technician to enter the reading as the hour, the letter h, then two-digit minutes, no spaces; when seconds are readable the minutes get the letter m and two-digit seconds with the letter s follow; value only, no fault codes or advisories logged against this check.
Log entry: 3h20m59s
